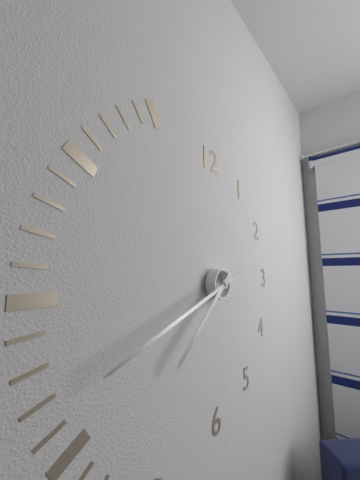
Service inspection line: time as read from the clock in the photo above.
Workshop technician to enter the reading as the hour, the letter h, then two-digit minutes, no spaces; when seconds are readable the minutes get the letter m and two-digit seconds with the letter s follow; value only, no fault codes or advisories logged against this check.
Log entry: 7h42
